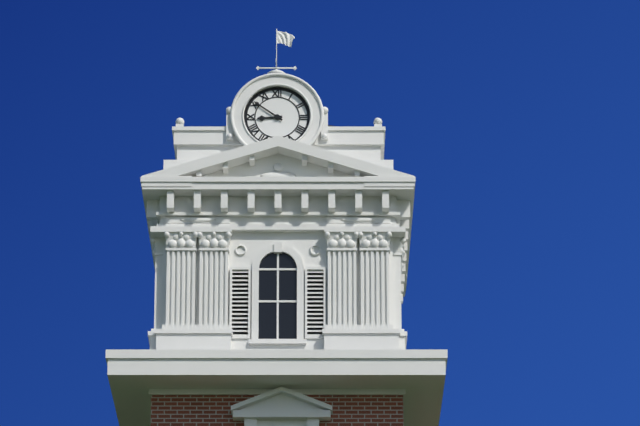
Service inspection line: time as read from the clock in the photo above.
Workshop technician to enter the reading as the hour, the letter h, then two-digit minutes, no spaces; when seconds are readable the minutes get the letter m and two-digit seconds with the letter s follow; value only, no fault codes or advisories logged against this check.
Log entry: 8h51
